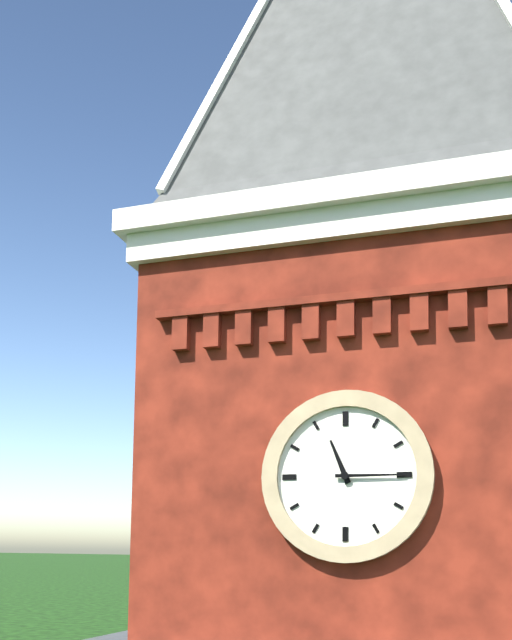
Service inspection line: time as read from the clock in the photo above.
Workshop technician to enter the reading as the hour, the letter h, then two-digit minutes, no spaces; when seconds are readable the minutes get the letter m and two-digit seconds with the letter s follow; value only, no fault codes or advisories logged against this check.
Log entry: 11h15
